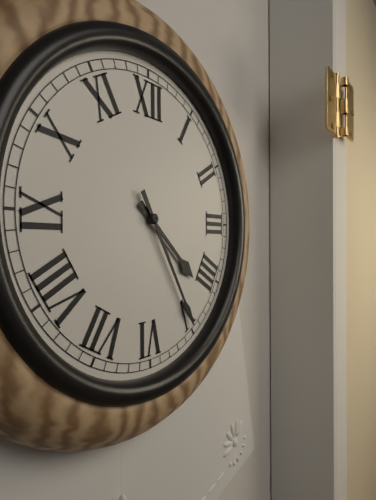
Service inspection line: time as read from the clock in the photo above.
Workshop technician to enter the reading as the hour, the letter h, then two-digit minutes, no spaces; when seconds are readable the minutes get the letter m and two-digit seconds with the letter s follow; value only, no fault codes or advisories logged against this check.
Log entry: 4h25
